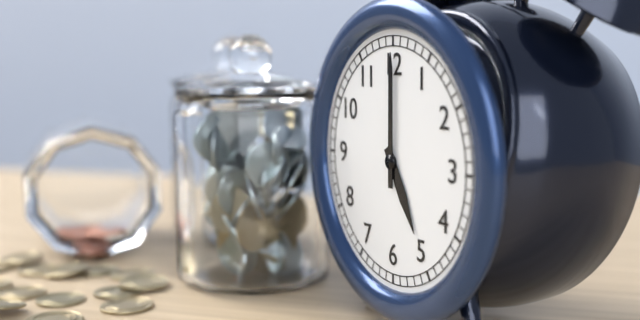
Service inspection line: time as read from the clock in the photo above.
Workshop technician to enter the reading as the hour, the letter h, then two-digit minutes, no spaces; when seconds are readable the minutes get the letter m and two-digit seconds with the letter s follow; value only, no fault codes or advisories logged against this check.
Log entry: 5h00
